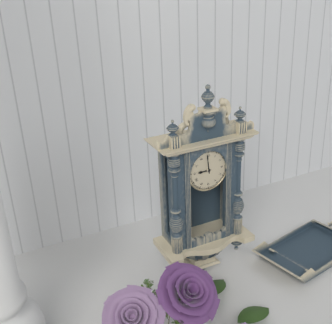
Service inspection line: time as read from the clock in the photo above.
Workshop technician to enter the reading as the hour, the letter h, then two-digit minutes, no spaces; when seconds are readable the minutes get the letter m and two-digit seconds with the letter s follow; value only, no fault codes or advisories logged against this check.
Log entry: 8h59
